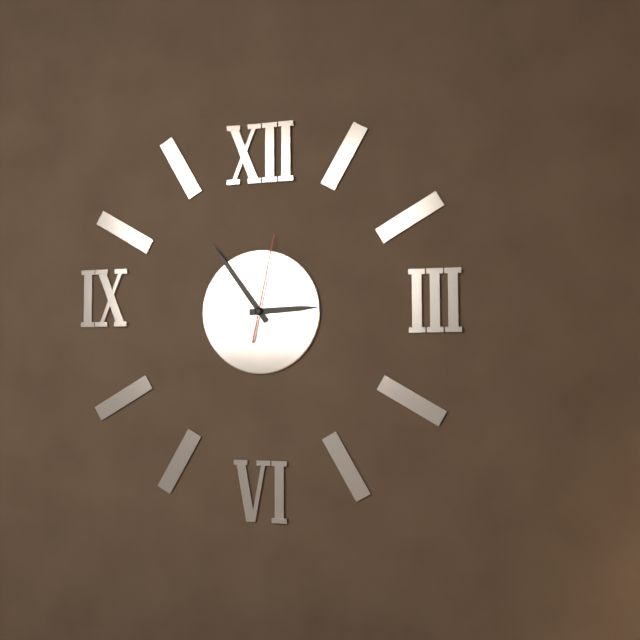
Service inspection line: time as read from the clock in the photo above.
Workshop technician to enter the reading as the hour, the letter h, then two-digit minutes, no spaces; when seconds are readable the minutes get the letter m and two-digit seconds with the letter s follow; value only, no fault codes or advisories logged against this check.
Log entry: 2h54m02s
